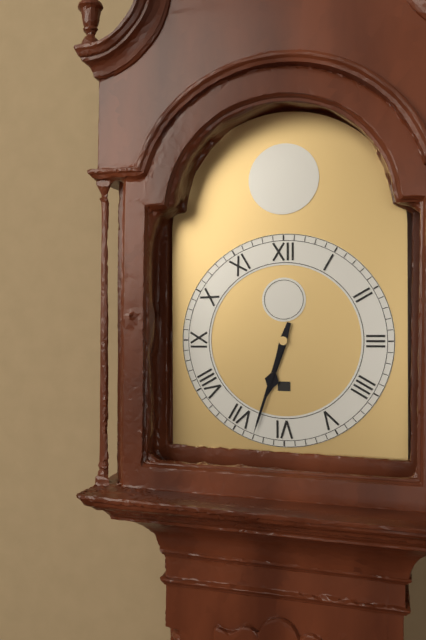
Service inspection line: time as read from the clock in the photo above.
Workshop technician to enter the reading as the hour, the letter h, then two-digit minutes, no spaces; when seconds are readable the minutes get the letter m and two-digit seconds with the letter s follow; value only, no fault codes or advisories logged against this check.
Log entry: 6h33
